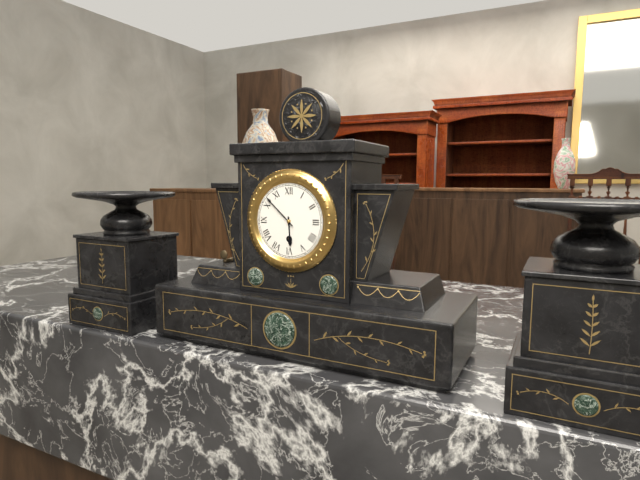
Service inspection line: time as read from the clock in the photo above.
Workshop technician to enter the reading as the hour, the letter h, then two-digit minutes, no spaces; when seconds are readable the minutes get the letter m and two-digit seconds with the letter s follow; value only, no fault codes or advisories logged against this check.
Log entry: 5h52
